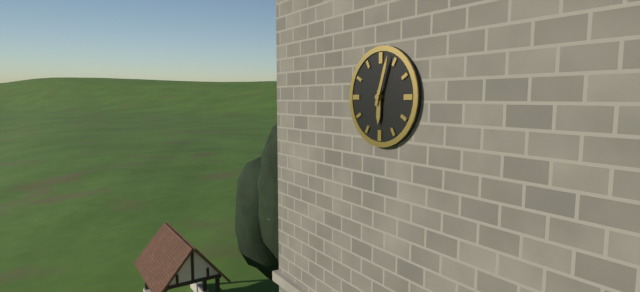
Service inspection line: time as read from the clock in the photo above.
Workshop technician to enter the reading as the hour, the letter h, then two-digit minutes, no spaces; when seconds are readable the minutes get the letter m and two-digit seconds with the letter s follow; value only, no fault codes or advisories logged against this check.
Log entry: 6h03
